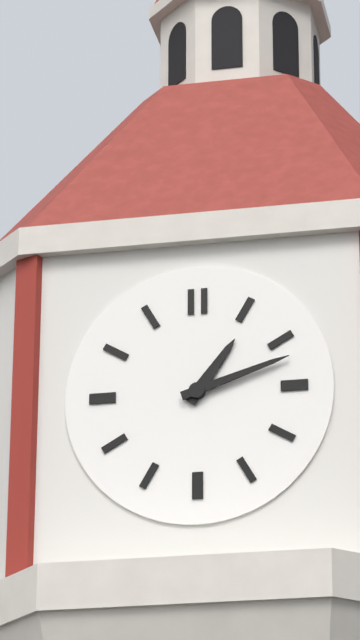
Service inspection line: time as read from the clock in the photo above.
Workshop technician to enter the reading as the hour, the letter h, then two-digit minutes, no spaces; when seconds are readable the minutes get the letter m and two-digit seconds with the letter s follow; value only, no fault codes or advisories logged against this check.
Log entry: 1h12
